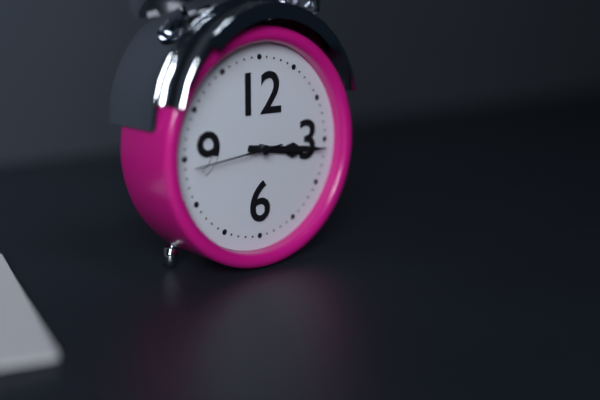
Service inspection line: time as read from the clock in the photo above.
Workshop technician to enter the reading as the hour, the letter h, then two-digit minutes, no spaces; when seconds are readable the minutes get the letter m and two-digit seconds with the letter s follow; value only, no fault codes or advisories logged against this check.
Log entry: 3h16m44s
